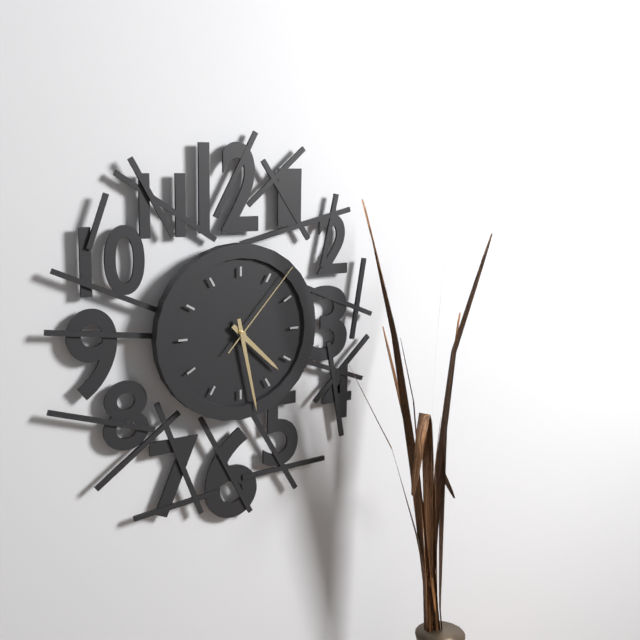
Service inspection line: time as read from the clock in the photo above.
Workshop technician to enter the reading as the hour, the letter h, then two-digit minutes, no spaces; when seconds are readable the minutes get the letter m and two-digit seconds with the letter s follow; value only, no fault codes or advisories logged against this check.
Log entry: 4h28m07s
